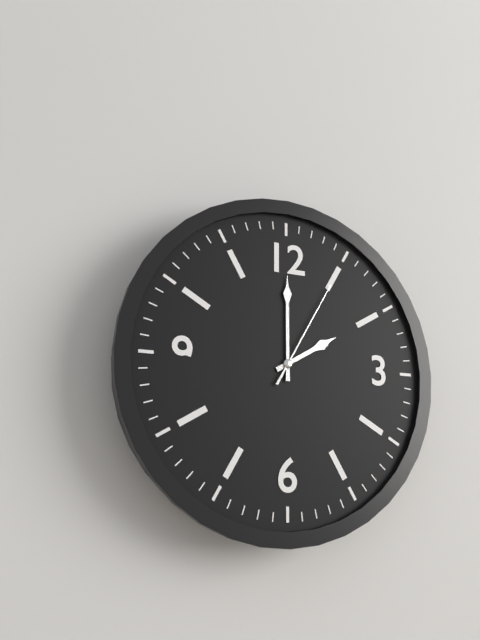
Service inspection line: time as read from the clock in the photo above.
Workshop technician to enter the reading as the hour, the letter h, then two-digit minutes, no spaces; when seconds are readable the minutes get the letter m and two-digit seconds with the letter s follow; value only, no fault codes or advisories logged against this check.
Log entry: 2h00m05s
